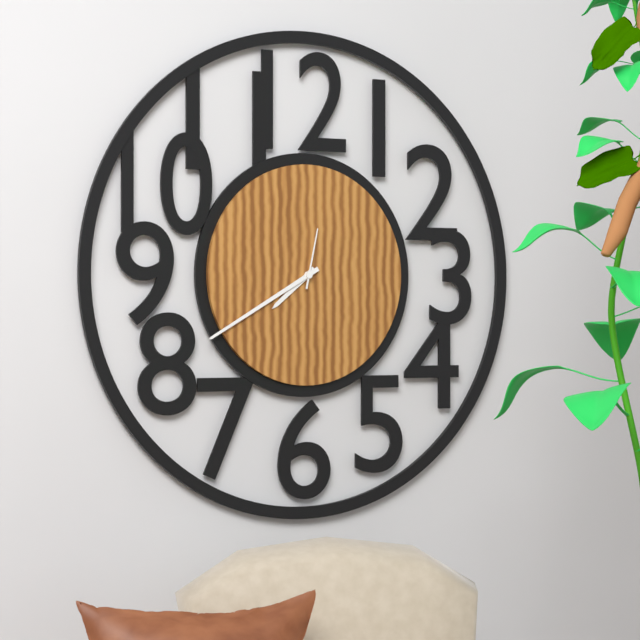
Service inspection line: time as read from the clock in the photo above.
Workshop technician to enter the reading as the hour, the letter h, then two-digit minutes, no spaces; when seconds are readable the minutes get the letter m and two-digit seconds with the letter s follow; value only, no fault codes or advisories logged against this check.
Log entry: 7h40m02s
